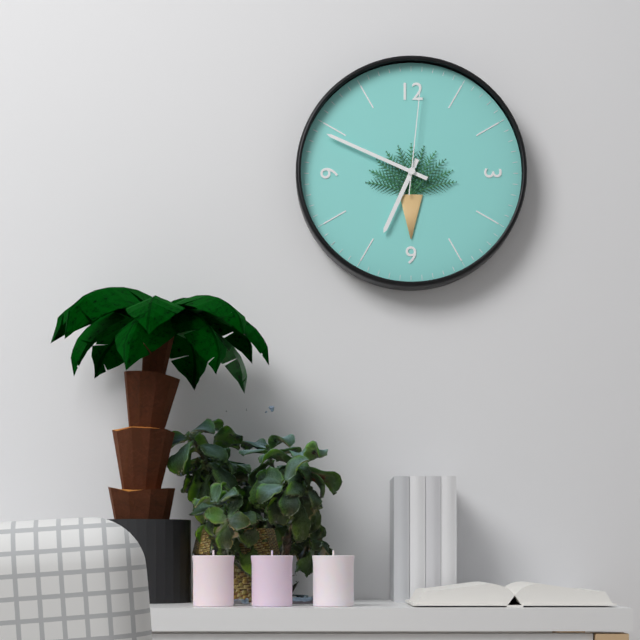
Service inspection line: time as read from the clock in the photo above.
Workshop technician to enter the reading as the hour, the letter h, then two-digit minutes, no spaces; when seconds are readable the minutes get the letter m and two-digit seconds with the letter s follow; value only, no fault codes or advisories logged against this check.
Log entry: 6h49m01s
